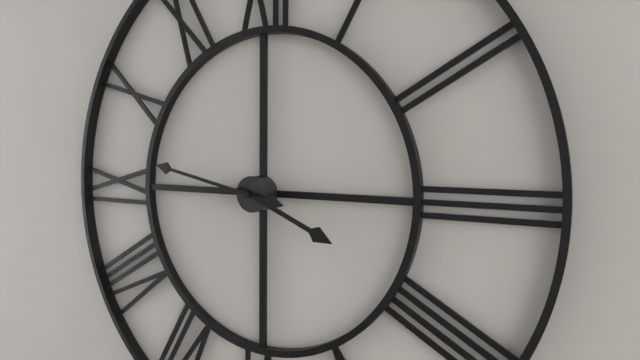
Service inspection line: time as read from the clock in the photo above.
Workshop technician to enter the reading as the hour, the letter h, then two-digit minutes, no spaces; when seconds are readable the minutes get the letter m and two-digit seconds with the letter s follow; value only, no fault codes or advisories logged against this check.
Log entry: 3h47
